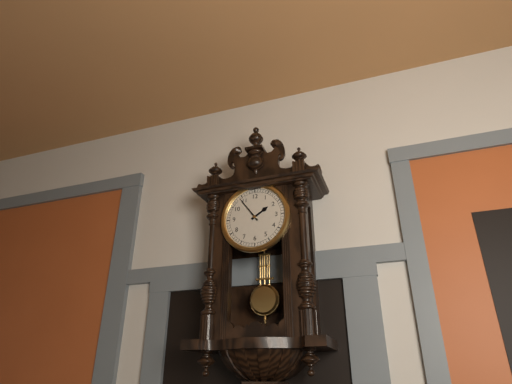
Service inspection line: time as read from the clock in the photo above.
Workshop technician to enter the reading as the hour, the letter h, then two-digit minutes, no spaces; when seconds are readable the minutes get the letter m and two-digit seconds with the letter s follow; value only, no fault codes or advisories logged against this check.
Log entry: 1h54
